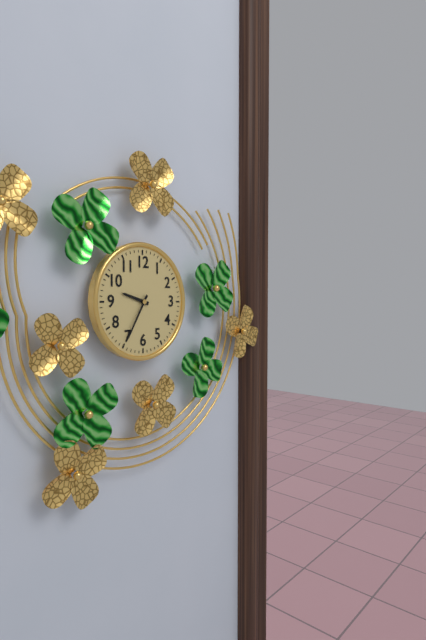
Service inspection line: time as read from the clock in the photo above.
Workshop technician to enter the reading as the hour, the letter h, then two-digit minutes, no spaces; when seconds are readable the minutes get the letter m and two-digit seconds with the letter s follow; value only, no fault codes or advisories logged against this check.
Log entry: 9h35
